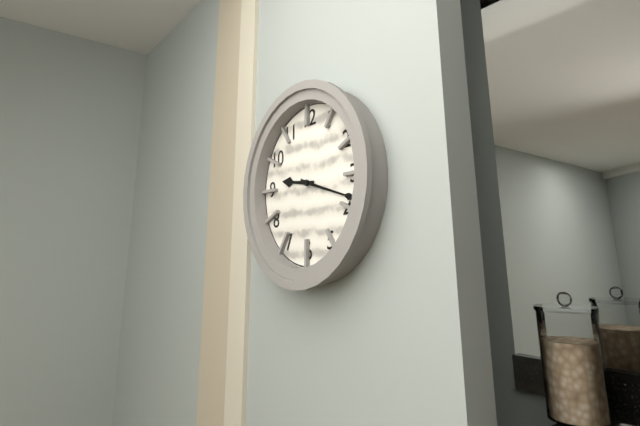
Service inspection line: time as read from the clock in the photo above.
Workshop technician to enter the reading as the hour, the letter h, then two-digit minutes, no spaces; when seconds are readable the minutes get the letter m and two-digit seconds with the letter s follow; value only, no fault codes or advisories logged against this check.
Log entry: 9h18
